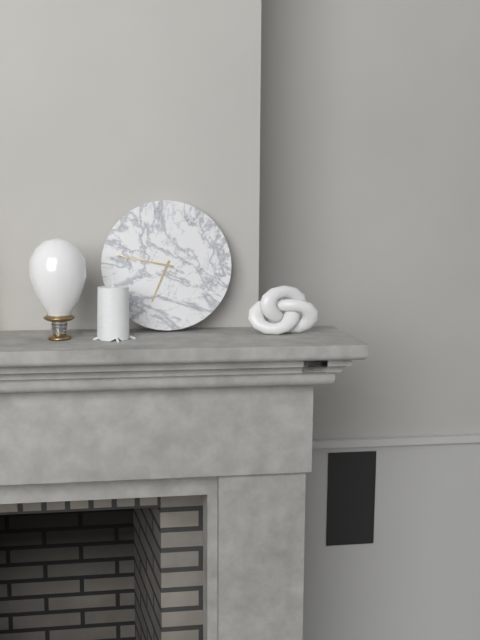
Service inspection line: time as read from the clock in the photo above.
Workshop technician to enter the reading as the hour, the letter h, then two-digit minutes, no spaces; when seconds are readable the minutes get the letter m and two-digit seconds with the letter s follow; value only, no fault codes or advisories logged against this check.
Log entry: 6h47
